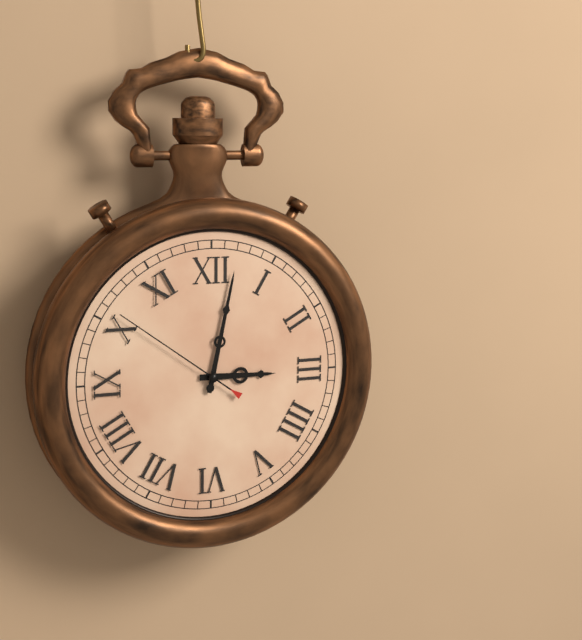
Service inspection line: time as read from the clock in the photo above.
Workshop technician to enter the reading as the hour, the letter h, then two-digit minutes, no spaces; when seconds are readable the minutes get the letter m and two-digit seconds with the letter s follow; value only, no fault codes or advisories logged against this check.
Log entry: 3h02m51s
